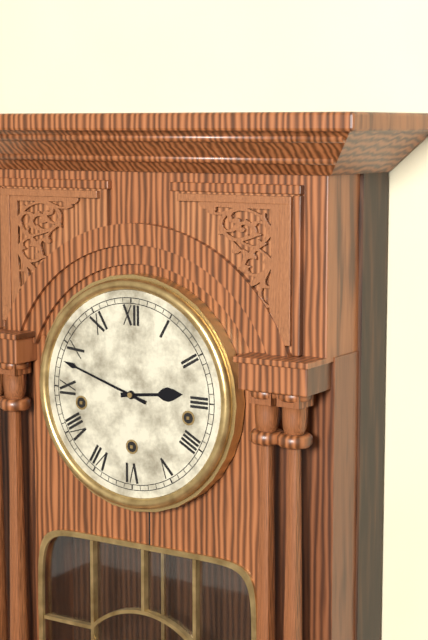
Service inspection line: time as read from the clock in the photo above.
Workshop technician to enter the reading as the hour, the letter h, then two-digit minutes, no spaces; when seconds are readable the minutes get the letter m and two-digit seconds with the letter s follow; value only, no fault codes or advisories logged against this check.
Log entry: 2h48
